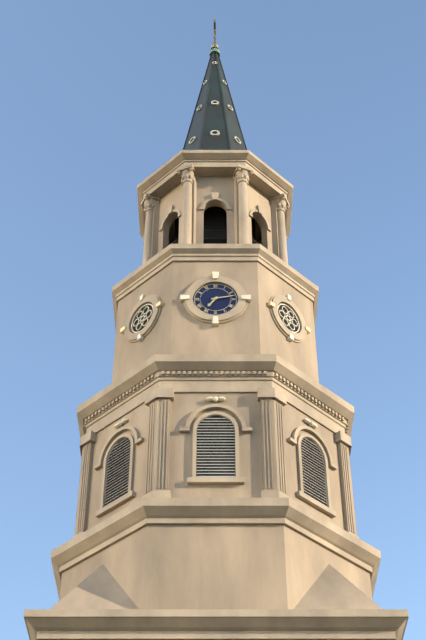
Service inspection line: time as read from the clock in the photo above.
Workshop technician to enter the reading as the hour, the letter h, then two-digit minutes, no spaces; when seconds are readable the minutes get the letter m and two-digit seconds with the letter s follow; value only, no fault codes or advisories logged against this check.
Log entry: 7h13
